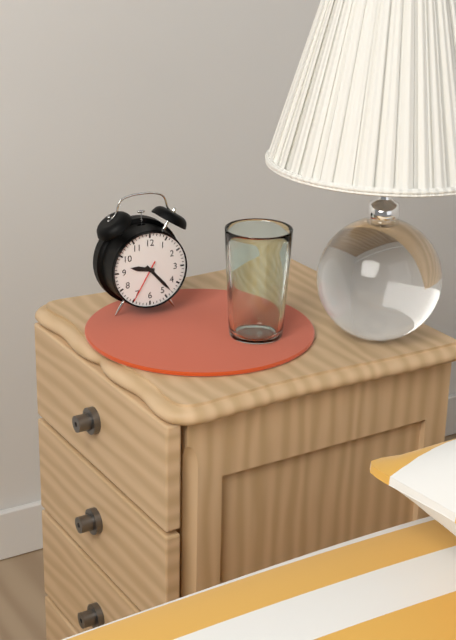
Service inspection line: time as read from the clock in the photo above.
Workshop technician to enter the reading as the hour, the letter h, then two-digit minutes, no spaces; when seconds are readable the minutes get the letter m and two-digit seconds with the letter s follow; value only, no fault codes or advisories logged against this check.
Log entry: 9h23
